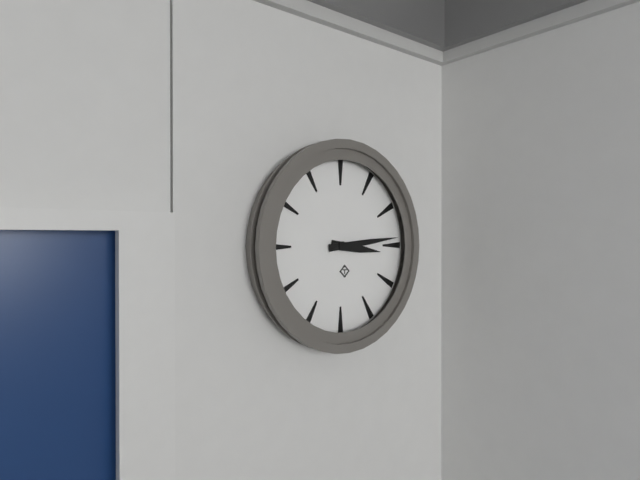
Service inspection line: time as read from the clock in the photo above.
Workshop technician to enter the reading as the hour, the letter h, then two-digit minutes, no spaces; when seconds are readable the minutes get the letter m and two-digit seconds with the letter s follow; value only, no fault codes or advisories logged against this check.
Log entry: 3h14
